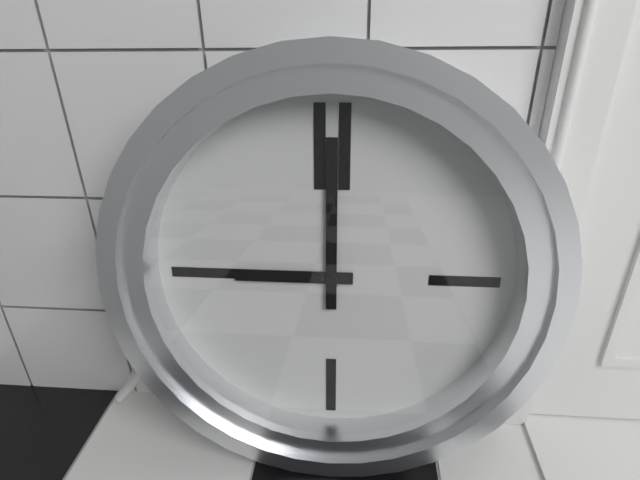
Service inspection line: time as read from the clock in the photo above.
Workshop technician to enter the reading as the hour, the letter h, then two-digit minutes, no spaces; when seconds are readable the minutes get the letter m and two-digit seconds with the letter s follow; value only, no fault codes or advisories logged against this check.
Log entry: 9h00
